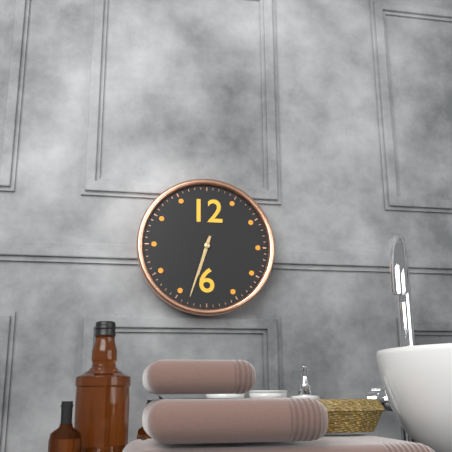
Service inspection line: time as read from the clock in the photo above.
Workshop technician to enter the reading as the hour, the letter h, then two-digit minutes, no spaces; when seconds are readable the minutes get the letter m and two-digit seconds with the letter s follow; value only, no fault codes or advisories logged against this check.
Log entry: 6h33
